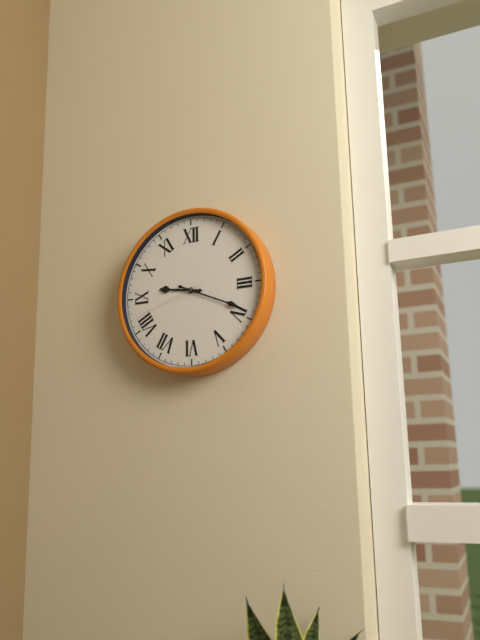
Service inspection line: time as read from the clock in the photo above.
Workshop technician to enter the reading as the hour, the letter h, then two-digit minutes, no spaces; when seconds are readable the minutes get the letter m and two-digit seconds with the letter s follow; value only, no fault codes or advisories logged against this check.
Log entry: 9h19m42s
